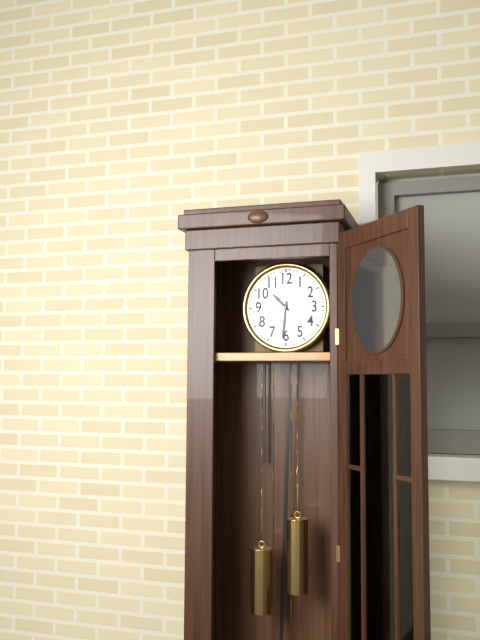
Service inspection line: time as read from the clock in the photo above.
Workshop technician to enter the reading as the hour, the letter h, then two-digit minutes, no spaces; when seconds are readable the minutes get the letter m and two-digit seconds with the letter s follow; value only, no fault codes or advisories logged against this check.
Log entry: 10h31
